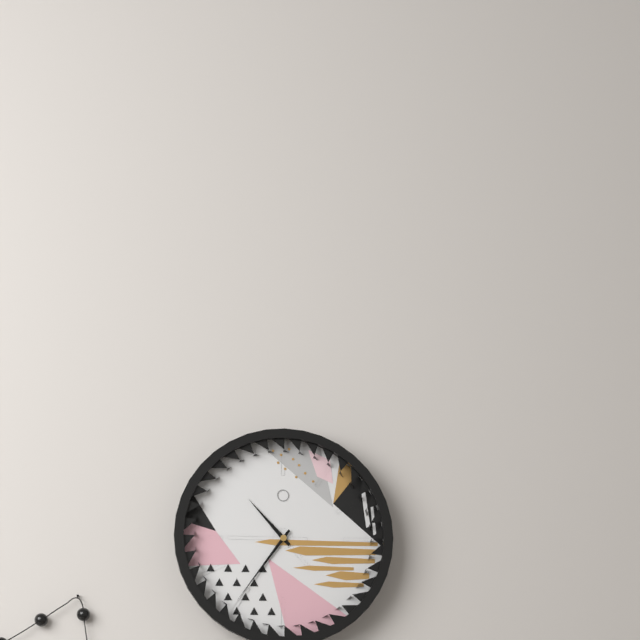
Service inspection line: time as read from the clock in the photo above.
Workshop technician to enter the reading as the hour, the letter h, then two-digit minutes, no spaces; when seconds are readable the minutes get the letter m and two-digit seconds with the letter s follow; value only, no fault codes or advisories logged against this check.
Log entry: 10h36
